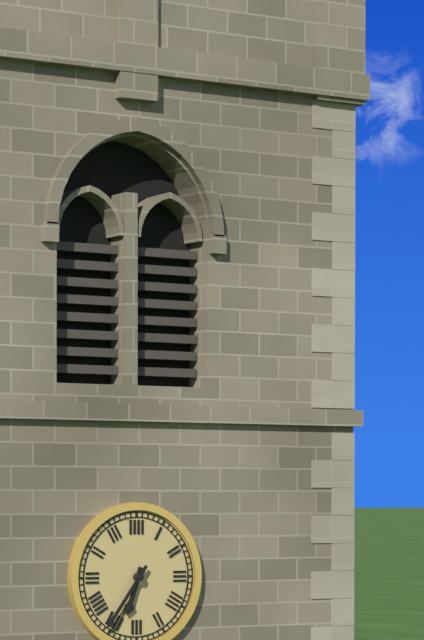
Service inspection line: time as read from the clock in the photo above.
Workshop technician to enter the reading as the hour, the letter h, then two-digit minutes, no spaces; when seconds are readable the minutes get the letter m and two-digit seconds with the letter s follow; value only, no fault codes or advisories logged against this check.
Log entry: 6h36
